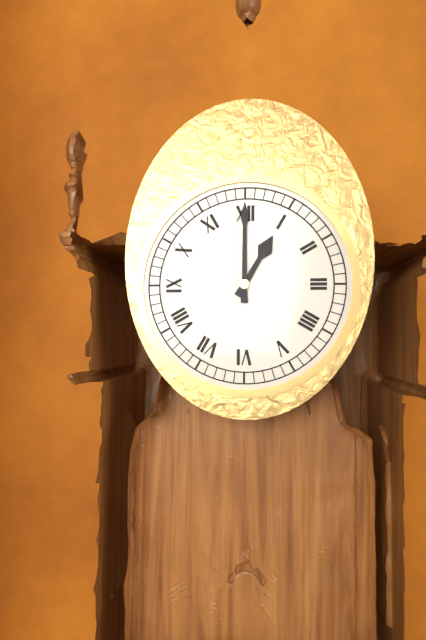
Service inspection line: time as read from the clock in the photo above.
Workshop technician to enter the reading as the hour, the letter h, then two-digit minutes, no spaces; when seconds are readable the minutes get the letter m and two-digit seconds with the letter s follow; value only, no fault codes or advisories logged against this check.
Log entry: 1h00
